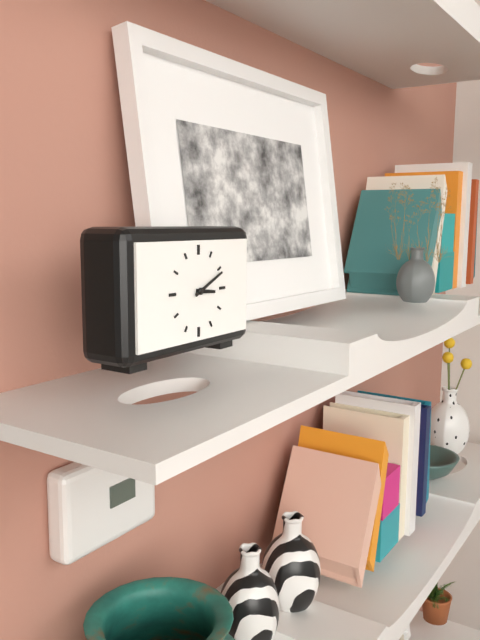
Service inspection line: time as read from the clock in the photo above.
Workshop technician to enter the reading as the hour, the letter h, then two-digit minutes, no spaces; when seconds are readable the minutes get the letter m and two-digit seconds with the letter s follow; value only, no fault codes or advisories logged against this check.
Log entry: 3h11
